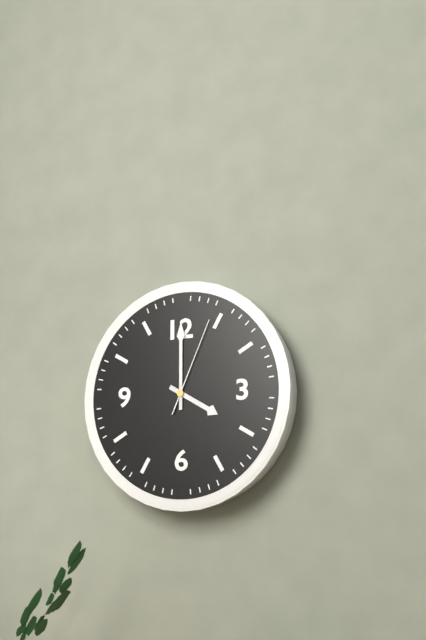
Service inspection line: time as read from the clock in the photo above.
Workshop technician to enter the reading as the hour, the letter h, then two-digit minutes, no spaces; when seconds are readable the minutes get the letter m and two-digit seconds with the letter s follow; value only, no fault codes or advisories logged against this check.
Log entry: 4h00m04s
